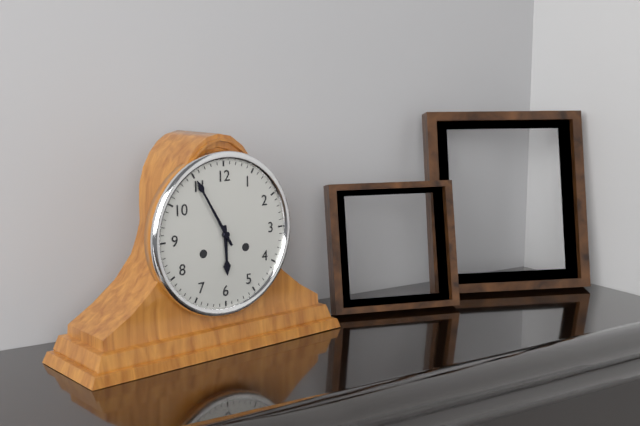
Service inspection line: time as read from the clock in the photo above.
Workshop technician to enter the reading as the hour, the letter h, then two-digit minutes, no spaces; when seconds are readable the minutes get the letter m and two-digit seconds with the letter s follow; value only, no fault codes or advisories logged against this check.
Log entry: 5h55
